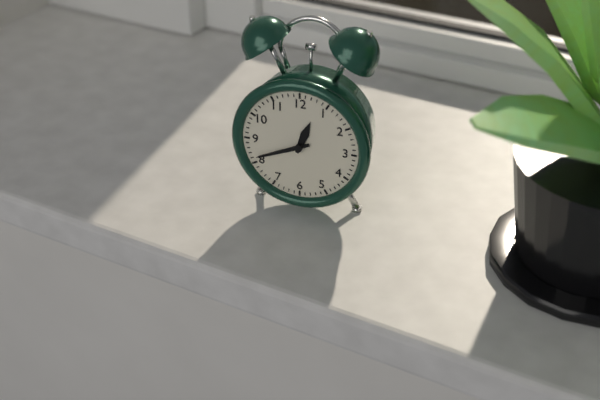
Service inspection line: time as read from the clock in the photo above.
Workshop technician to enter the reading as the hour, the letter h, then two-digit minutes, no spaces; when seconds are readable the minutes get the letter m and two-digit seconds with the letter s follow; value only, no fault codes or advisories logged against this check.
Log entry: 12h41
